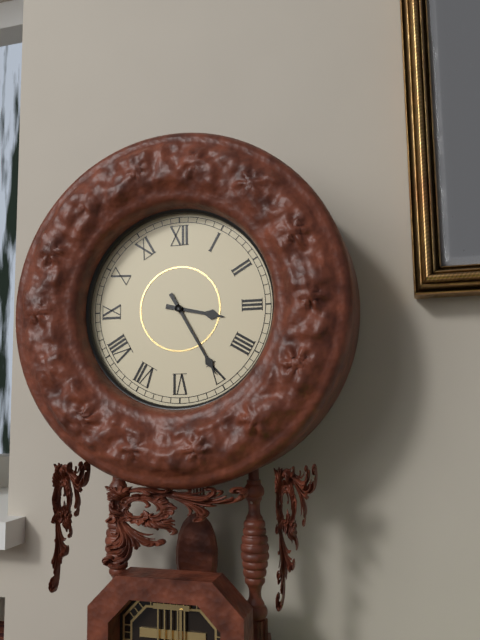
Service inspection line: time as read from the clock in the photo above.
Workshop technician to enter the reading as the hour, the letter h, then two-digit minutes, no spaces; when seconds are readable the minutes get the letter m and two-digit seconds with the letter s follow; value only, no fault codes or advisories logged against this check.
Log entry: 3h25
